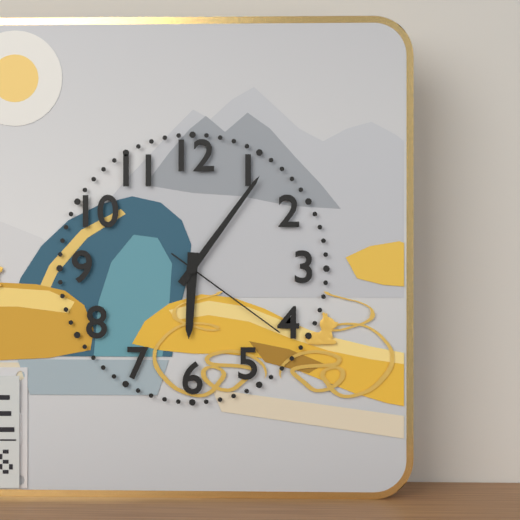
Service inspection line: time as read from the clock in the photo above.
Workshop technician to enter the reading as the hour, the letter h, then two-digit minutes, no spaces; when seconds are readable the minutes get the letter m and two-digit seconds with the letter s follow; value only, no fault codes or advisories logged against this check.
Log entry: 6h06m21s
